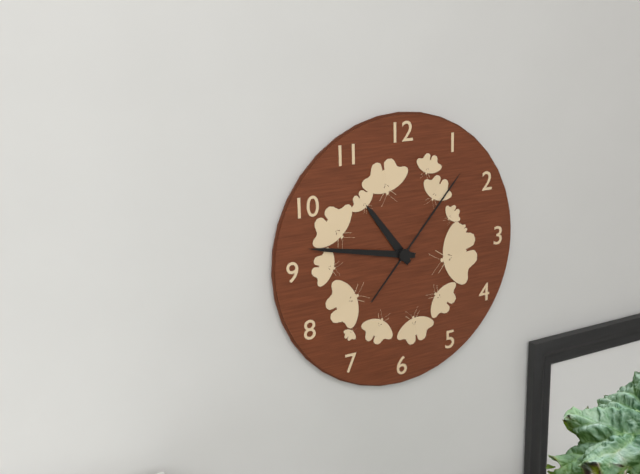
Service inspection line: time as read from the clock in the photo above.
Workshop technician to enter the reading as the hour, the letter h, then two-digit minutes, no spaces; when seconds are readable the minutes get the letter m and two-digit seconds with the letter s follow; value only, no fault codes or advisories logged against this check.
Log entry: 10h47m07s
